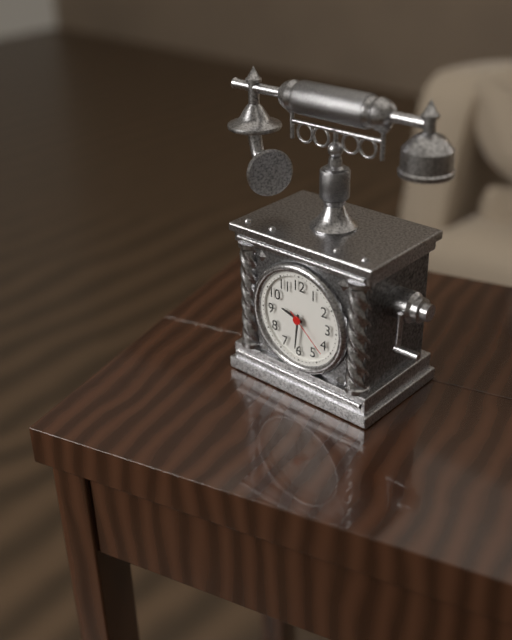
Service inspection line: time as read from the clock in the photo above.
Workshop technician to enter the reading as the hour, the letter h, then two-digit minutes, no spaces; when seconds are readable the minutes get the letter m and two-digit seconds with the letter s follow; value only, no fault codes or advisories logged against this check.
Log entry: 9h31m22s
